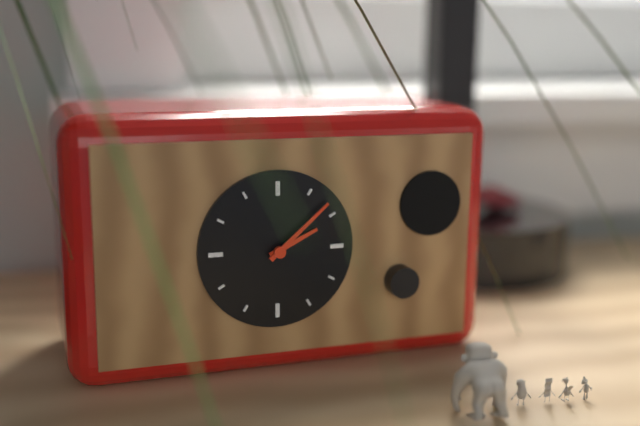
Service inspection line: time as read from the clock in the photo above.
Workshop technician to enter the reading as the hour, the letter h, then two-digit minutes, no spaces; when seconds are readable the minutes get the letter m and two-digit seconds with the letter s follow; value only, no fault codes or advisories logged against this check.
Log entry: 2h08
